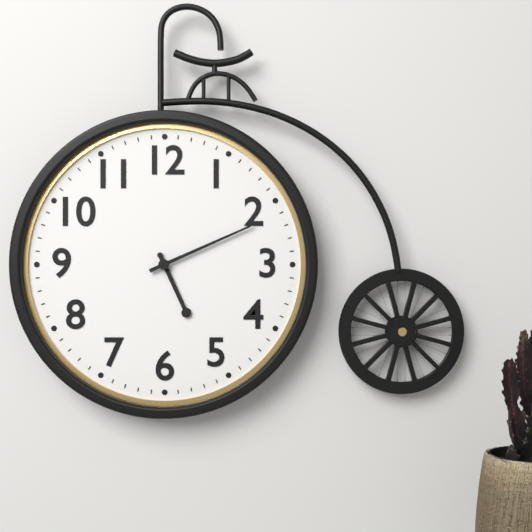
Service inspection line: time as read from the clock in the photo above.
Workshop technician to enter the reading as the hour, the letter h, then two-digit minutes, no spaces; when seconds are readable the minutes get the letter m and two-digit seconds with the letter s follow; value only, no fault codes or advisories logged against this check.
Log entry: 5h11
